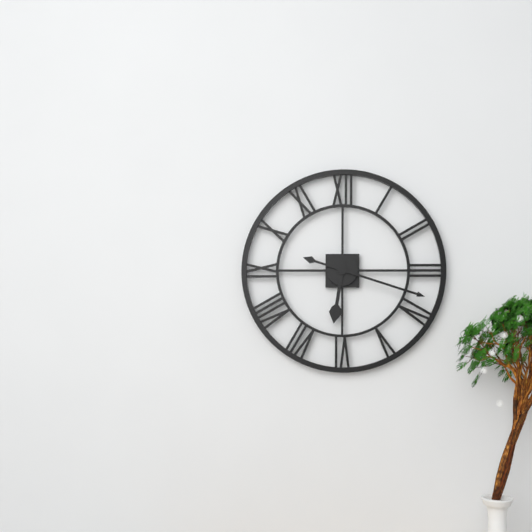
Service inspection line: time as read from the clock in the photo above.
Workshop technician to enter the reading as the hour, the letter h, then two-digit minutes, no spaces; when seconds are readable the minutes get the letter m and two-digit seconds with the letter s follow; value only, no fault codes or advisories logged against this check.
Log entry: 6h18
